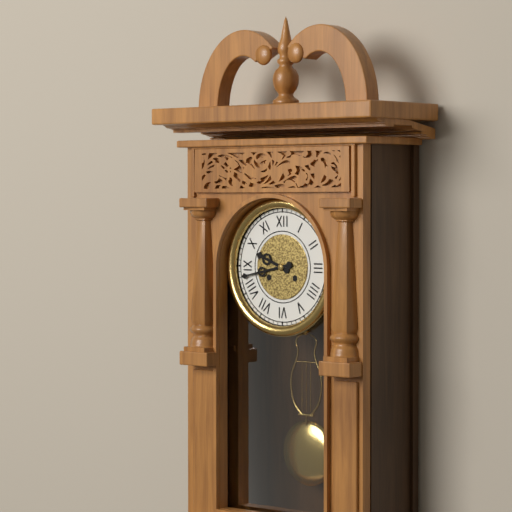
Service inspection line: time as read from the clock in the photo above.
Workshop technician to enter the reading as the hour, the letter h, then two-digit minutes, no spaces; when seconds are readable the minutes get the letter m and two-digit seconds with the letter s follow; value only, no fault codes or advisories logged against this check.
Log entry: 9h43
